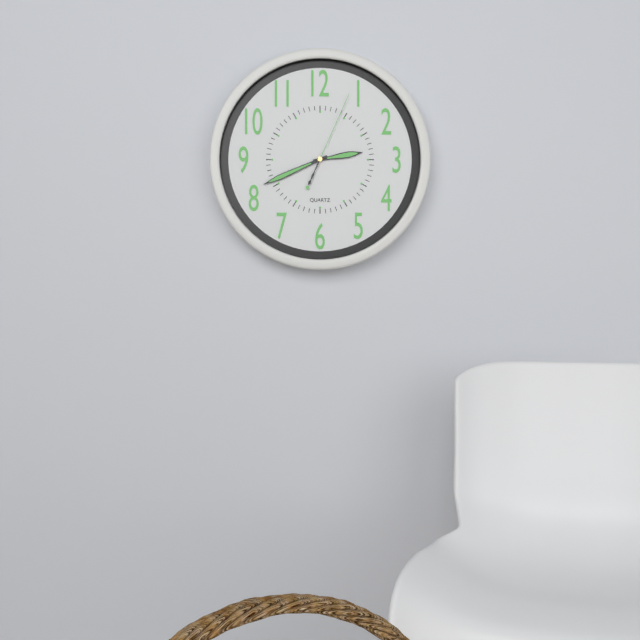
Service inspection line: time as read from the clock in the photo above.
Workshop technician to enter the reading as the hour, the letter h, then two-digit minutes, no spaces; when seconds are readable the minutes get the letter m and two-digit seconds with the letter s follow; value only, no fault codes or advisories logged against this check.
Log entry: 2h41m04s
